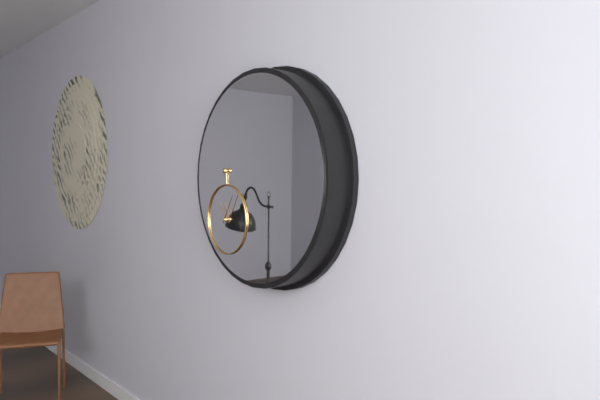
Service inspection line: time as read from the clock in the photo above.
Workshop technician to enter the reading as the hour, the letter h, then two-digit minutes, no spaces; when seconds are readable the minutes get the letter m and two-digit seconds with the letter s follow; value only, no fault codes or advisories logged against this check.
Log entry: 11h05
